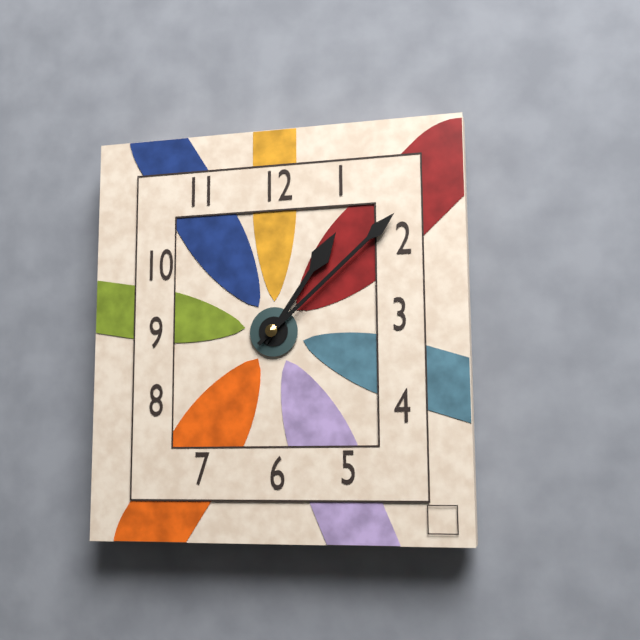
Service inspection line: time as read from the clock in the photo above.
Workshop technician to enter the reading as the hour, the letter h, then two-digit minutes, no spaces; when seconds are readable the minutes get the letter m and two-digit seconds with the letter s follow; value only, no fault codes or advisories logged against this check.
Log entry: 1h08
